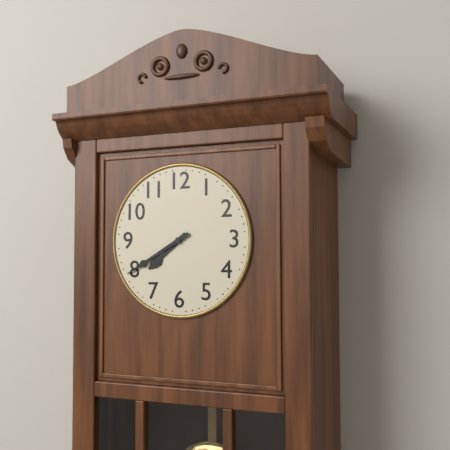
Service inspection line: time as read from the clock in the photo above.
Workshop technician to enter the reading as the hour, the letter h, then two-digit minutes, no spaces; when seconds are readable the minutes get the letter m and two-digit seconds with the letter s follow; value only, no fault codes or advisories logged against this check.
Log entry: 7h40
